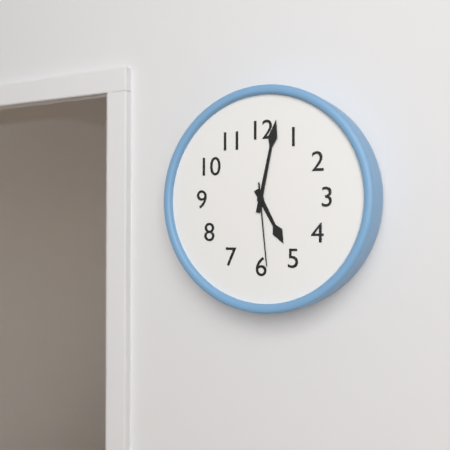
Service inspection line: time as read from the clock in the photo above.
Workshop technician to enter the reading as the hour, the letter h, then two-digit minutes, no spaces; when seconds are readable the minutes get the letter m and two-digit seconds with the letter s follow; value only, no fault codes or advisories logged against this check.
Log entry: 5h02m29s
